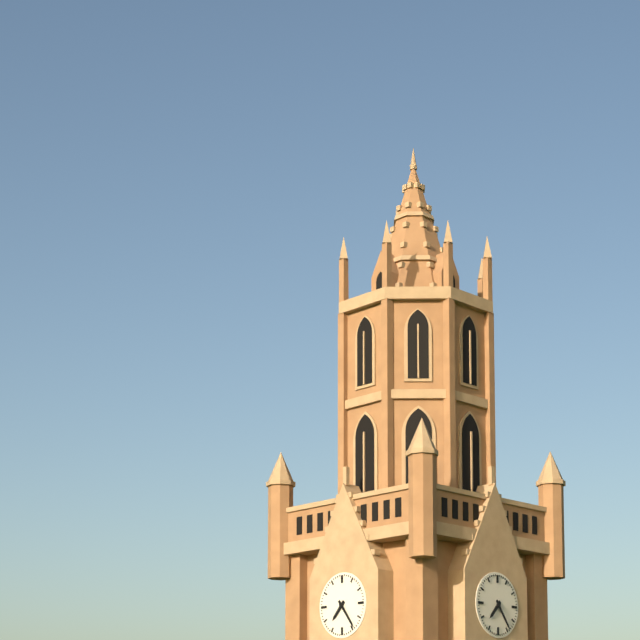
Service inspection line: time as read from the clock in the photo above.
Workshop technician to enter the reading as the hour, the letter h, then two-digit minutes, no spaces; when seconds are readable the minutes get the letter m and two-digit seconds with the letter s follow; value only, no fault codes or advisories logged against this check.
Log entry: 7h24
